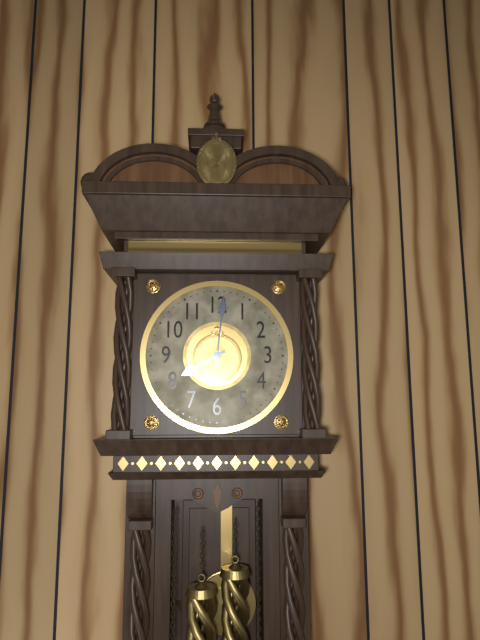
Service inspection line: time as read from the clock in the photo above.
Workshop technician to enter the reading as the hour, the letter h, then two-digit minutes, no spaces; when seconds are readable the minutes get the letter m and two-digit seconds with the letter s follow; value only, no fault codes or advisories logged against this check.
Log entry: 8h01
